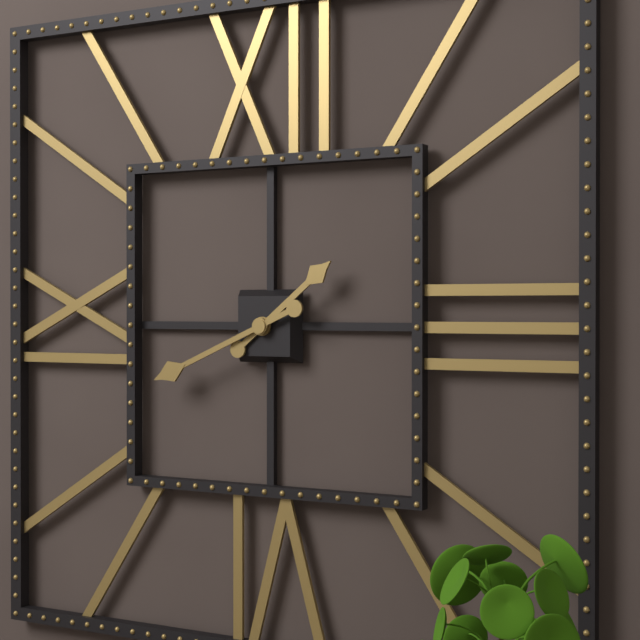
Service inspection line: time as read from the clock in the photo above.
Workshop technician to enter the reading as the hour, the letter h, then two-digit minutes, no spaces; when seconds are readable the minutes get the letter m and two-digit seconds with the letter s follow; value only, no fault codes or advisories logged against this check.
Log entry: 1h41
